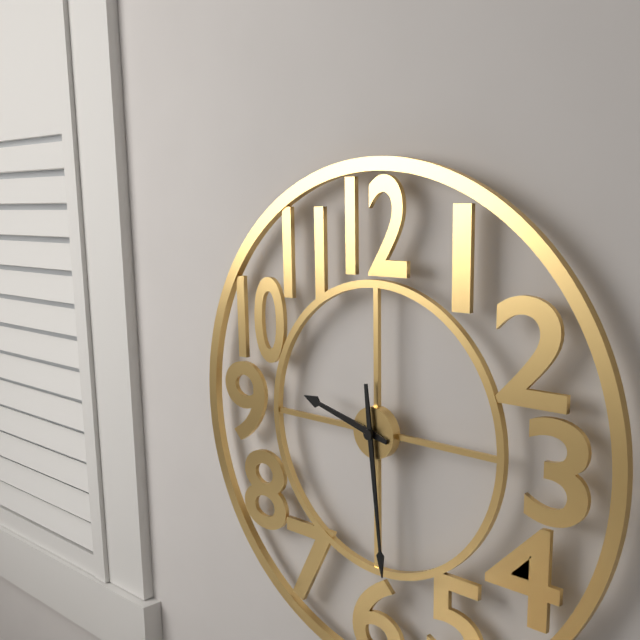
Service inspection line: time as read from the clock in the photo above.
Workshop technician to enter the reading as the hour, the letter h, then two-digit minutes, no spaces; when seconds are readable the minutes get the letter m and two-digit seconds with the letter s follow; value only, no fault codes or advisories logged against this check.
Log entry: 9h29
